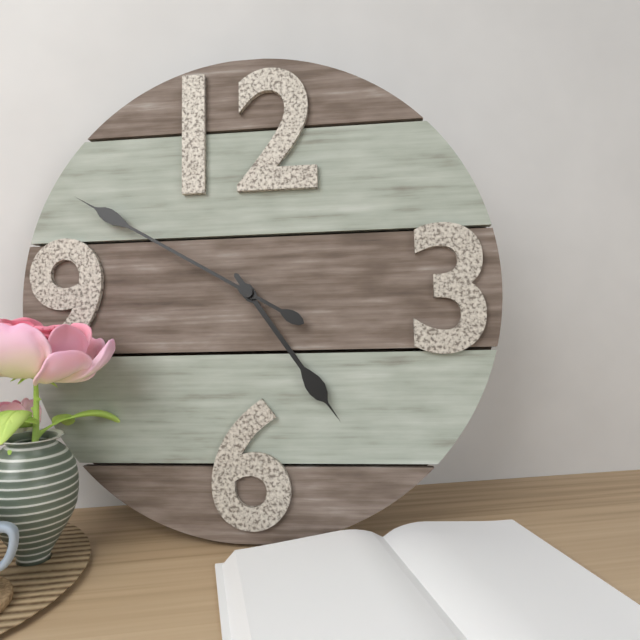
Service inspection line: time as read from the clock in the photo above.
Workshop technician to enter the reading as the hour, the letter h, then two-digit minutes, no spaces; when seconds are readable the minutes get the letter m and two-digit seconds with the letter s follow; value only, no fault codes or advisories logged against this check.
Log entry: 4h50
